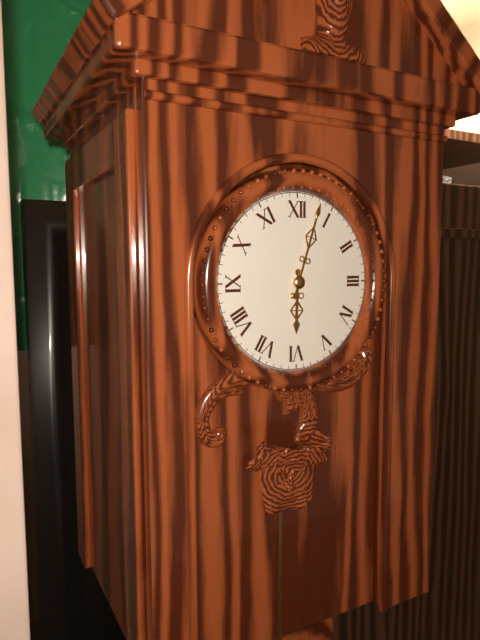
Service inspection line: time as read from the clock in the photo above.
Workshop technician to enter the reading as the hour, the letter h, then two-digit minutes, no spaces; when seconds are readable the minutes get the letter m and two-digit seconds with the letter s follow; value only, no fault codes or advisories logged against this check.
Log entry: 6h03
